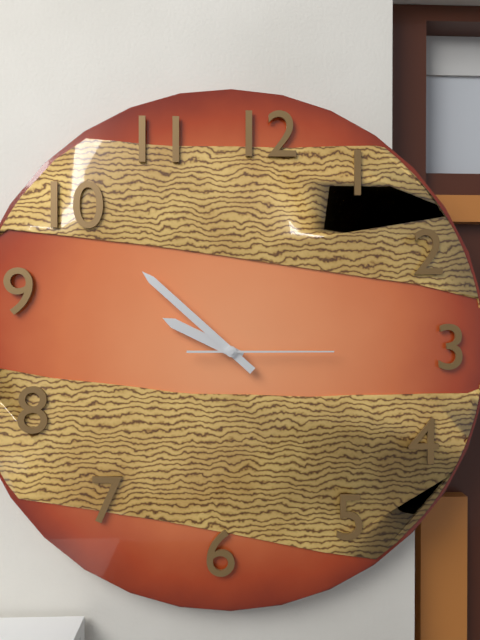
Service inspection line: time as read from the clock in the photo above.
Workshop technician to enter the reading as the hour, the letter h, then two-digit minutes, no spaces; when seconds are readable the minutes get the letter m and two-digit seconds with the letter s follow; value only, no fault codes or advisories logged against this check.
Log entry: 9h52m15s
